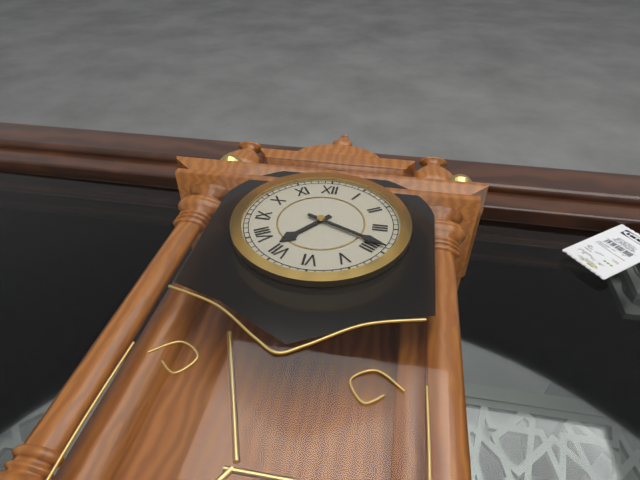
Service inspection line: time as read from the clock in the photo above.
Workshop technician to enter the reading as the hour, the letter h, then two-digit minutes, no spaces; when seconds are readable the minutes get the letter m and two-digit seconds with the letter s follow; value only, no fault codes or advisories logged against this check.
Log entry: 7h19
